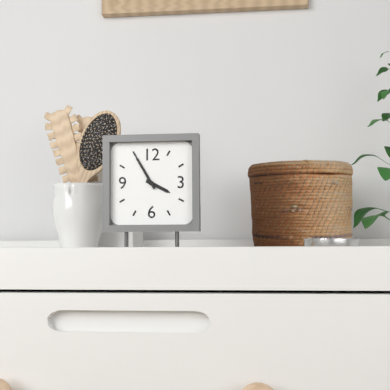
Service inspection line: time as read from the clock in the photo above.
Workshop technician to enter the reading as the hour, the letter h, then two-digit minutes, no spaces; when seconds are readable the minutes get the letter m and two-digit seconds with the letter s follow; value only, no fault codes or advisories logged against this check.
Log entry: 3h55
